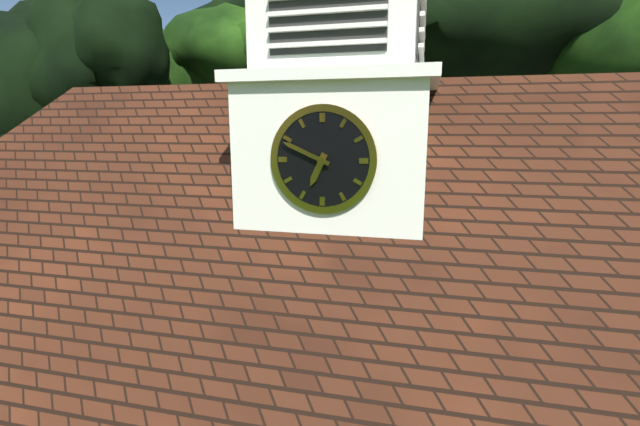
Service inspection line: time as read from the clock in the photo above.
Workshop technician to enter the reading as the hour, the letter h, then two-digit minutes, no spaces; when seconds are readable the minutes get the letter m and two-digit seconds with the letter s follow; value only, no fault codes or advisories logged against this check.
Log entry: 6h49
